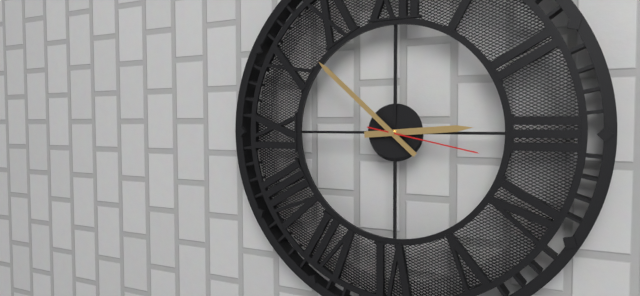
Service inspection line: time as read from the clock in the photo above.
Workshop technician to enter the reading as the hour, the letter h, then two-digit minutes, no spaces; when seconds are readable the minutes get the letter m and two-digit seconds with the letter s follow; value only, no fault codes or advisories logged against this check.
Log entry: 2h52m17s
